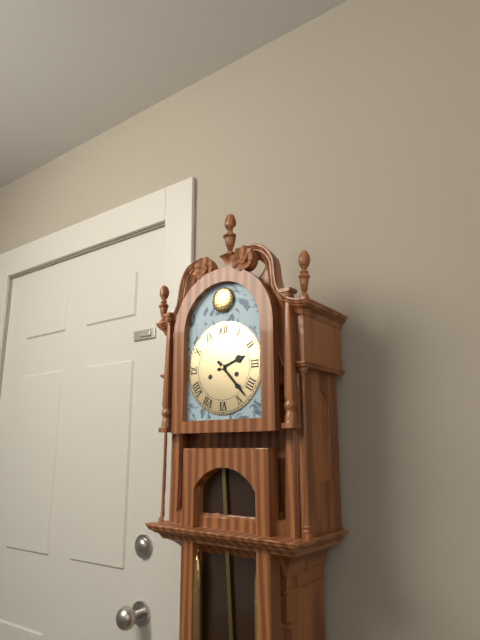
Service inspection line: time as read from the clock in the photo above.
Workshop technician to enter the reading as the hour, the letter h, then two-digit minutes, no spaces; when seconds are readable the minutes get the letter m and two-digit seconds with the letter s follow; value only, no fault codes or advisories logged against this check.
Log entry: 2h23
